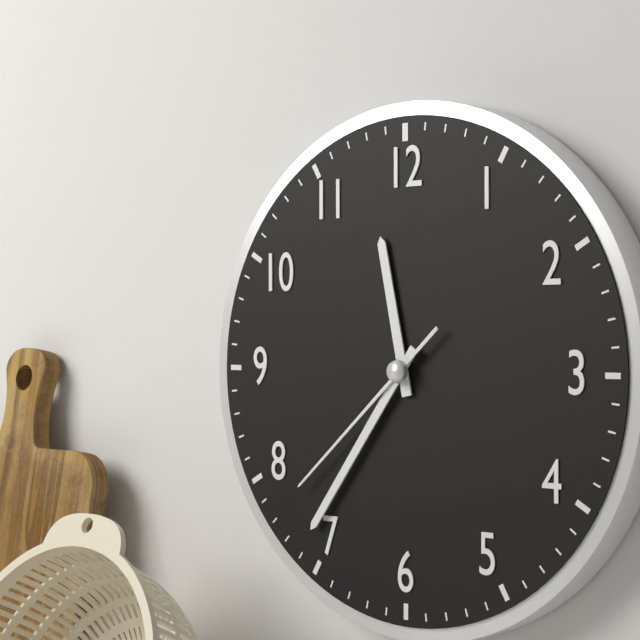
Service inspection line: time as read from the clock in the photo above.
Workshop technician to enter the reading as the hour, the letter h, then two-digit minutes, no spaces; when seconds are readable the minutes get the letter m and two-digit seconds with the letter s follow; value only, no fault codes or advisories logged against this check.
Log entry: 11h36m38s
